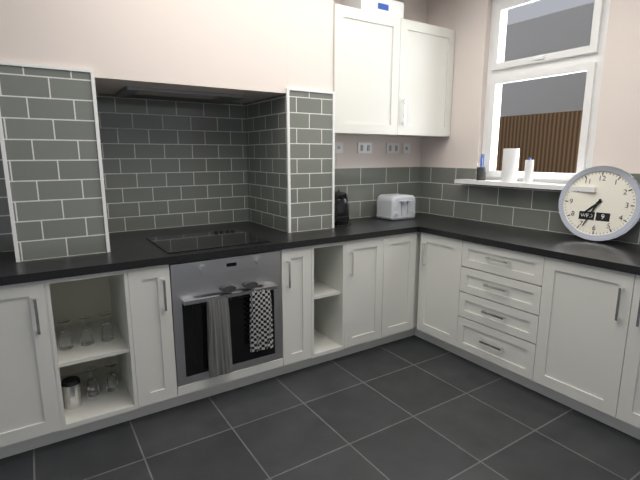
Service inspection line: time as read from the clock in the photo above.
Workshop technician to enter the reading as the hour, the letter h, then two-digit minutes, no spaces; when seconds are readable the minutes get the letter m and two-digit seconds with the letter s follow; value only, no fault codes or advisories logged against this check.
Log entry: 7h34
